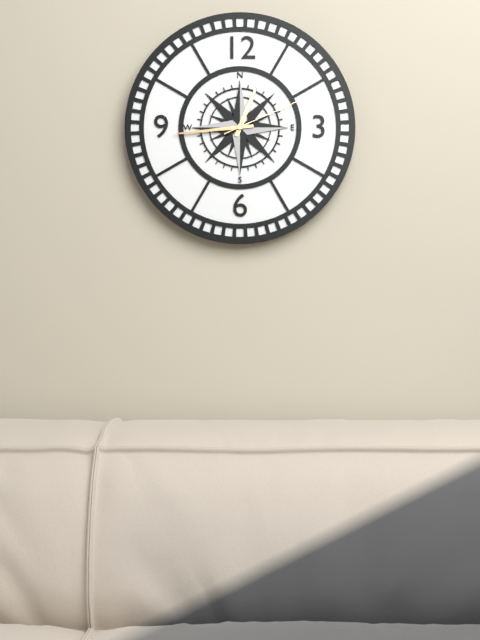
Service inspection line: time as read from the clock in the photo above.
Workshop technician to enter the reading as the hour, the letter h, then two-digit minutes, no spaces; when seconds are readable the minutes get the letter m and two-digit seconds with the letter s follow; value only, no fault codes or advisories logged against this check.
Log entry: 12h44m11s
